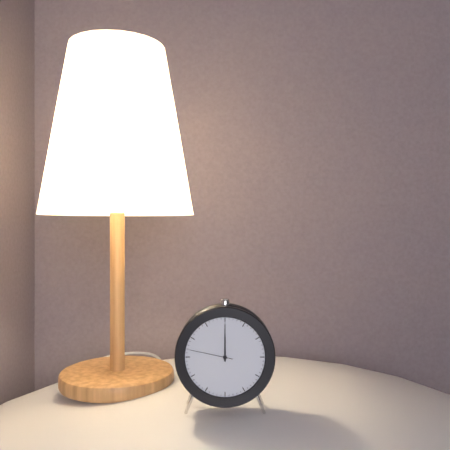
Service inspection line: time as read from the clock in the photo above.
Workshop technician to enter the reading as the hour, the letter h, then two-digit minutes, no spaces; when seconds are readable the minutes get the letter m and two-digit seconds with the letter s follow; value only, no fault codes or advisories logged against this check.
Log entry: 12h00
